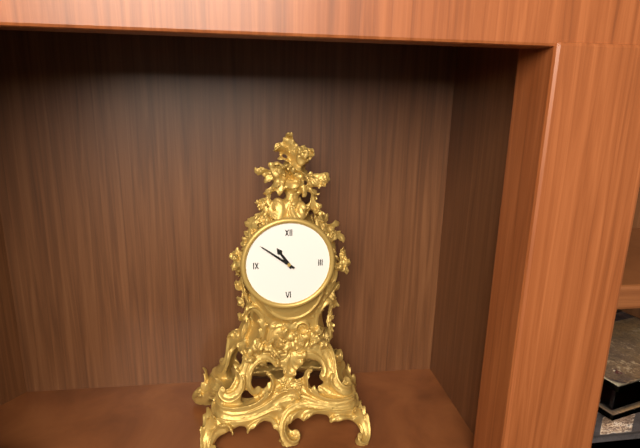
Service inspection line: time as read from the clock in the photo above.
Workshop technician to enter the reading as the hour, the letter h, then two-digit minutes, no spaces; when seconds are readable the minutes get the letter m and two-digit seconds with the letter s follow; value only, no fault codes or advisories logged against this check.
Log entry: 10h51
